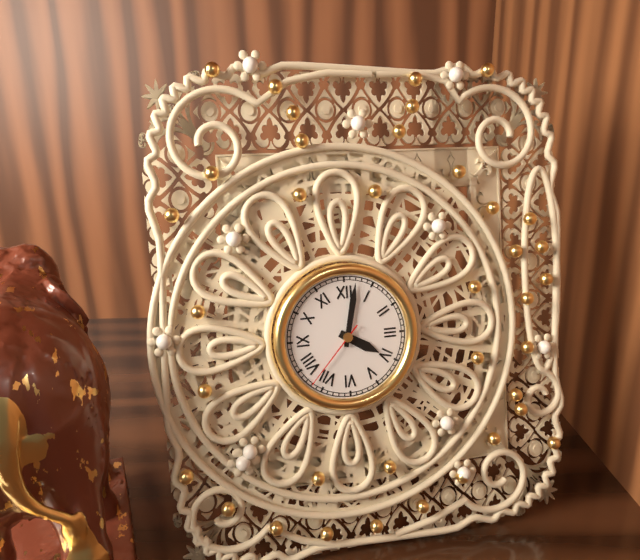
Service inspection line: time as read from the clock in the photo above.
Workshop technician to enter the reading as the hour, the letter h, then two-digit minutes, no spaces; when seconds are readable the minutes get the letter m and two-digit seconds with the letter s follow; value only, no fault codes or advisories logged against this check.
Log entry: 4h02m37s
